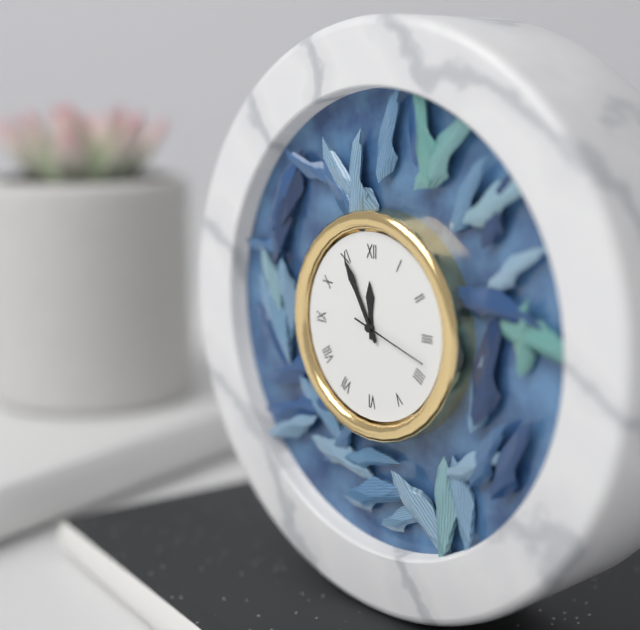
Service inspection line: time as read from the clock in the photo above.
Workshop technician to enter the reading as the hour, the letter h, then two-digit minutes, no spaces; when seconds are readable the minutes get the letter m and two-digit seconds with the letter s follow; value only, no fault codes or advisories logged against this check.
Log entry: 11h55m18s
